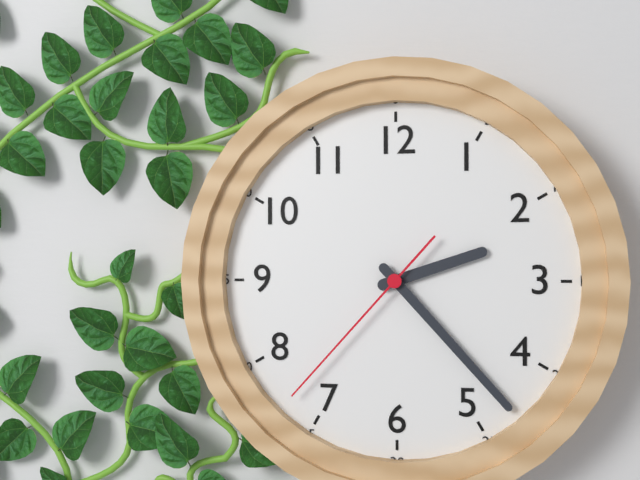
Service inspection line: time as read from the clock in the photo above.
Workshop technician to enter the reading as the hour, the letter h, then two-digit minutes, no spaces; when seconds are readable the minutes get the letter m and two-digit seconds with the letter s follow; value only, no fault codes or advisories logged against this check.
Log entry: 2h23m37s
